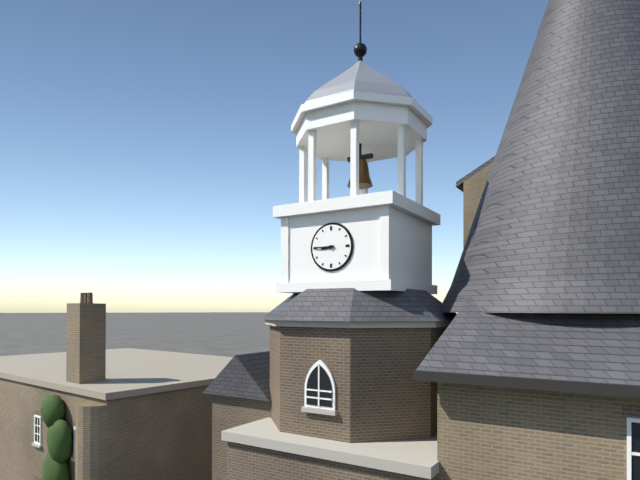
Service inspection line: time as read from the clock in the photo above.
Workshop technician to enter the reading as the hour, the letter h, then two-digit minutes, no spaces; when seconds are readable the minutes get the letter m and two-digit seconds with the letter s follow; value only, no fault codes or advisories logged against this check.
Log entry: 8h45
